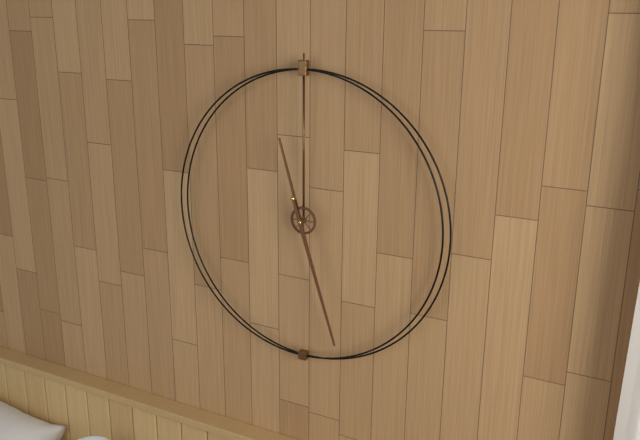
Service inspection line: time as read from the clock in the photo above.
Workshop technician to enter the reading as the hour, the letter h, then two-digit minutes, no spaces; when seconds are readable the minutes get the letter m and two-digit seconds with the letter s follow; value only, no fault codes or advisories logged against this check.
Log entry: 11h27
